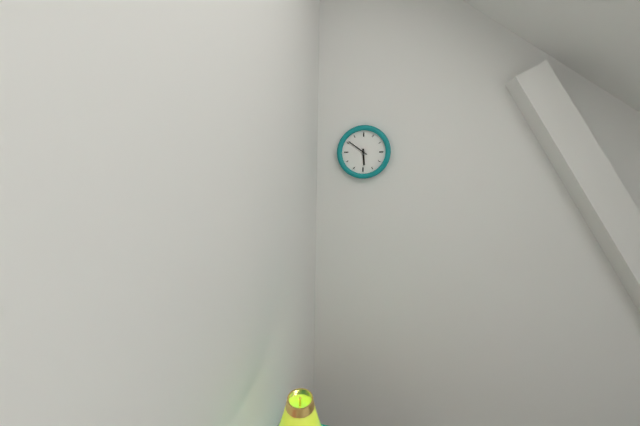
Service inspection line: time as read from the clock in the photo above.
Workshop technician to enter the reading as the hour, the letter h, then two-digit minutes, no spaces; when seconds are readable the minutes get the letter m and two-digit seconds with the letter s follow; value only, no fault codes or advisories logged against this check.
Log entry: 5h51
